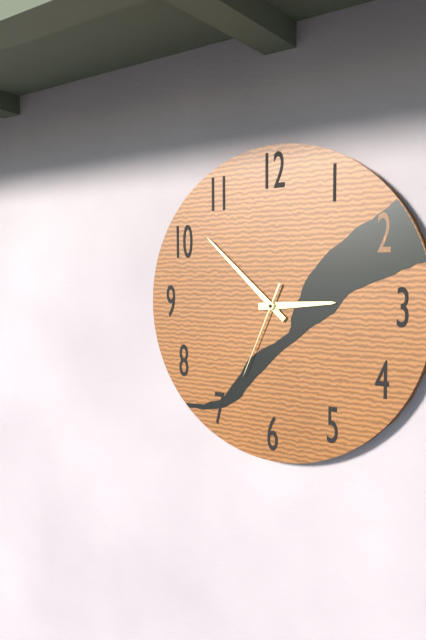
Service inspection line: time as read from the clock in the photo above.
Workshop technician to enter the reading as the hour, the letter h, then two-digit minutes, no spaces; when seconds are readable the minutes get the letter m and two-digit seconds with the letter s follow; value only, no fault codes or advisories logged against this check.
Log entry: 2h52m34s
